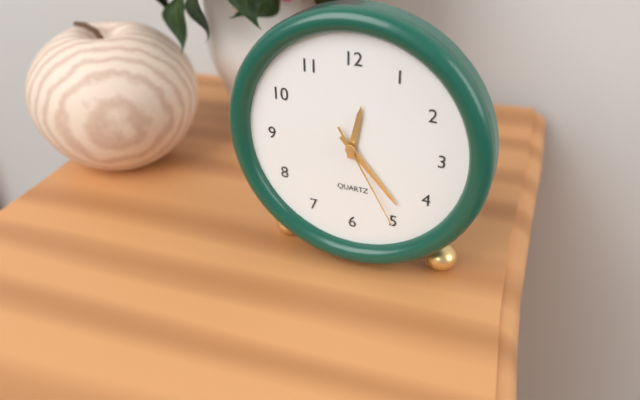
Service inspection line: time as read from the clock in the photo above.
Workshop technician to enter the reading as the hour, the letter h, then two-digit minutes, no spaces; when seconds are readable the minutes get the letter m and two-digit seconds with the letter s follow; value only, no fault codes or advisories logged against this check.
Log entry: 12h23m25s
